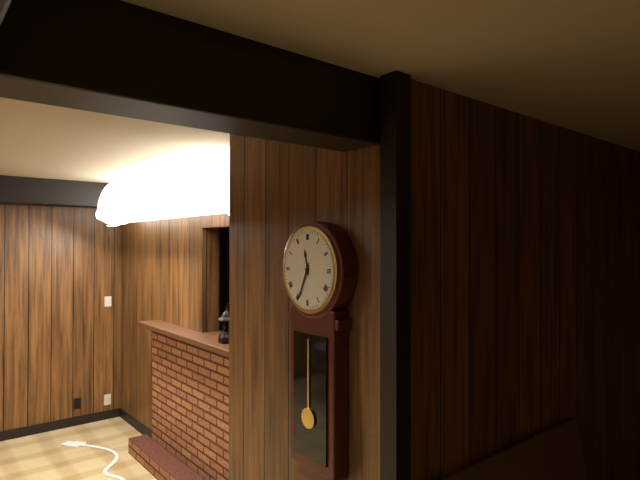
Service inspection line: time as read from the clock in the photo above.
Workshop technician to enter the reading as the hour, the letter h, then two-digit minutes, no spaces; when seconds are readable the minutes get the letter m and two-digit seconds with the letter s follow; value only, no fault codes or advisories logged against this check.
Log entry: 11h34
